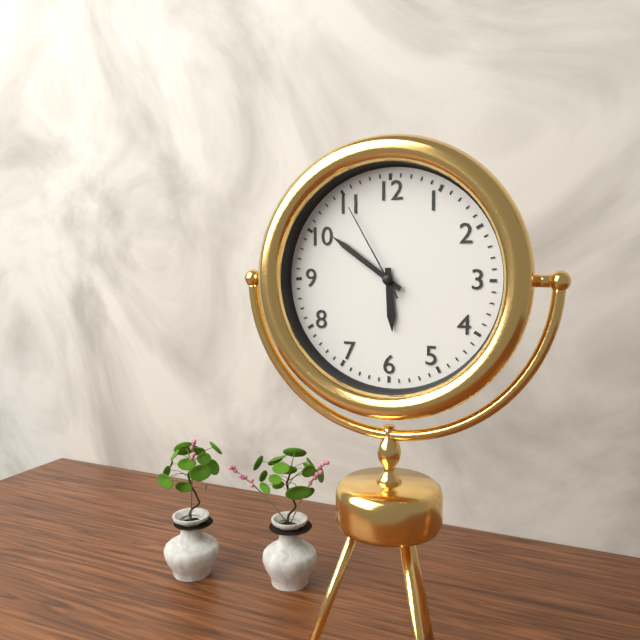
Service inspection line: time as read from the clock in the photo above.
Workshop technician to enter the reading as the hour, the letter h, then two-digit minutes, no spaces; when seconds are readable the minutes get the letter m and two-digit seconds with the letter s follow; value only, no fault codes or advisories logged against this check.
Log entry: 5h51m55s
